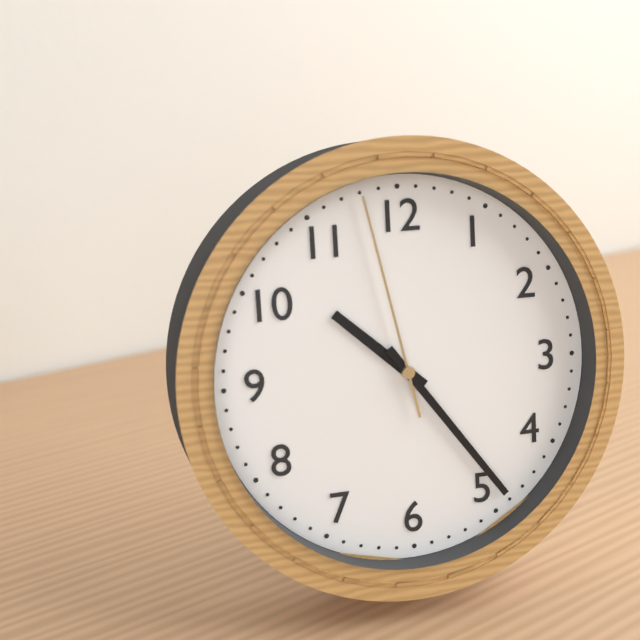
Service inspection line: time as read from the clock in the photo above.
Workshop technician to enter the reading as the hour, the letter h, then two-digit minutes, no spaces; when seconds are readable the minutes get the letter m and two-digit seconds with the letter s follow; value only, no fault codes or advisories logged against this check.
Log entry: 10h24m58s
